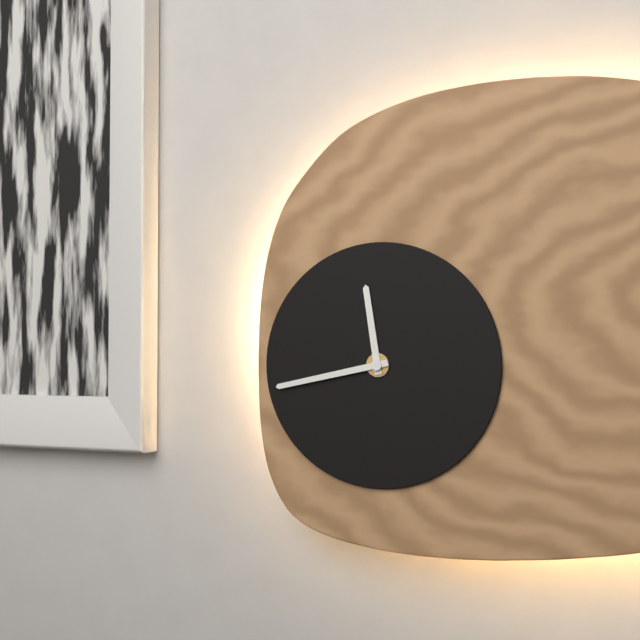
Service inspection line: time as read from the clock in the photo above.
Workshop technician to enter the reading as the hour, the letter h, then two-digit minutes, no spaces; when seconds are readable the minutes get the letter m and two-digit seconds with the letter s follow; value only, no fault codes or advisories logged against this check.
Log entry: 11h43
